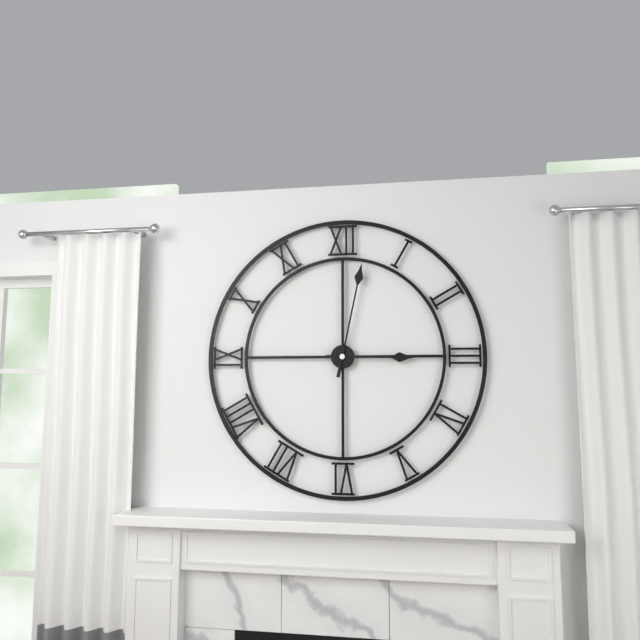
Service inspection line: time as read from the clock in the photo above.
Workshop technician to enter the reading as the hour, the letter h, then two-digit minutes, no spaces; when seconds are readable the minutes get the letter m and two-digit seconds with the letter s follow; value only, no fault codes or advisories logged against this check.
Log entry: 3h02
